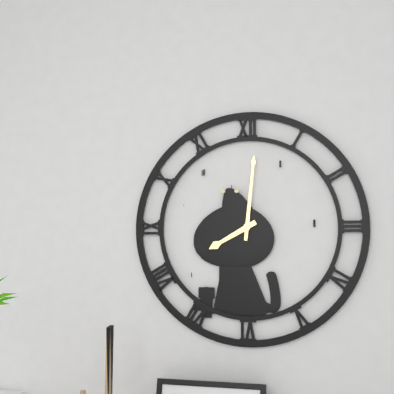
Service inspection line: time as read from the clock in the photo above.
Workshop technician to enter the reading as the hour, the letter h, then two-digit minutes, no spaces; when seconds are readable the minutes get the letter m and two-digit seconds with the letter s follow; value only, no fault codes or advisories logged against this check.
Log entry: 8h01
